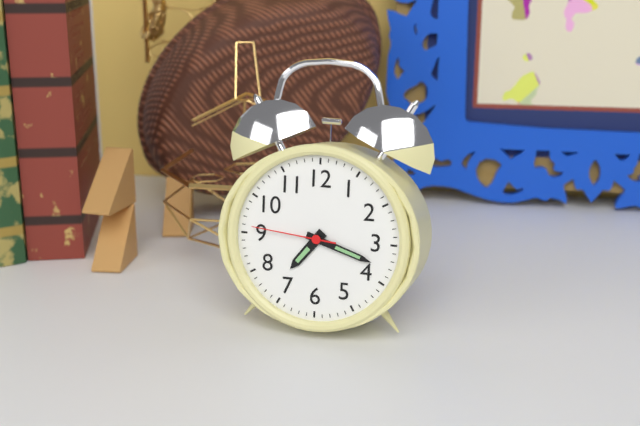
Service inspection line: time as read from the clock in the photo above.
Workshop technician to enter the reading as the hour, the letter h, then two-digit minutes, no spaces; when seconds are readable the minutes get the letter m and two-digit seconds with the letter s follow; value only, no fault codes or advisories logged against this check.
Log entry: 7h18m46s
